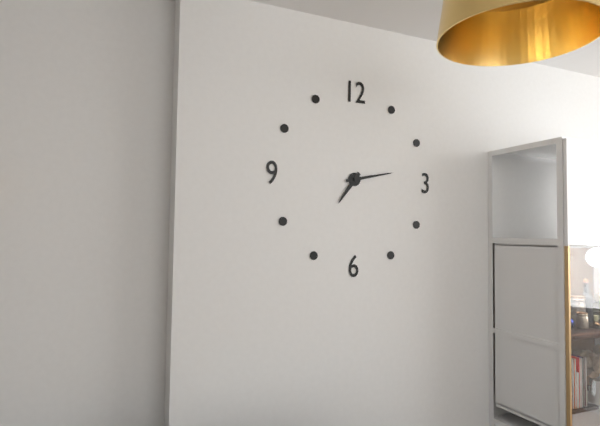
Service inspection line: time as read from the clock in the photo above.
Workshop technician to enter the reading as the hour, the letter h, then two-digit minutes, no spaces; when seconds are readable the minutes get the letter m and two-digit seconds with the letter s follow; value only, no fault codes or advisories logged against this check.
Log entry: 7h13
